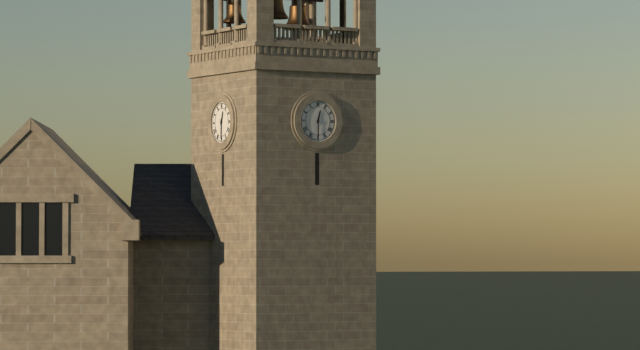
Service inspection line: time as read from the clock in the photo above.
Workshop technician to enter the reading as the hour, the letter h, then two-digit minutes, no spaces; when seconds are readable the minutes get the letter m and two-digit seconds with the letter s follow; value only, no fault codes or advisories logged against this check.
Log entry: 12h30
